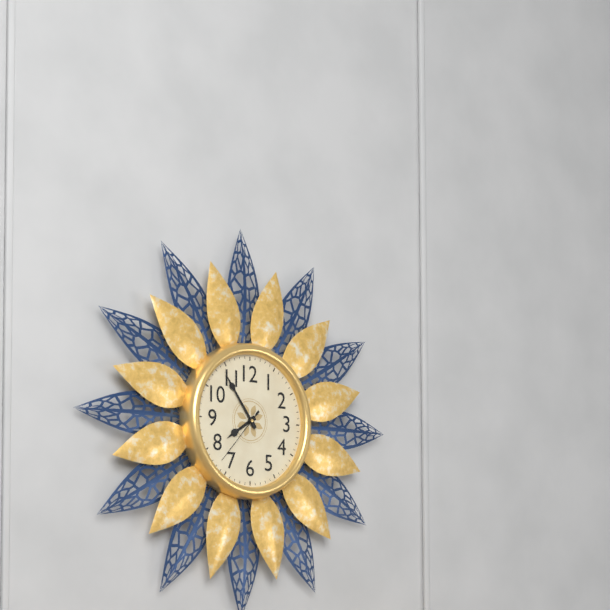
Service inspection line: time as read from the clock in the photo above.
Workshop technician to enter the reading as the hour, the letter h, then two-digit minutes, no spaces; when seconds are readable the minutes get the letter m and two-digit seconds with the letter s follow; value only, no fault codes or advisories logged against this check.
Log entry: 7h54m37s
